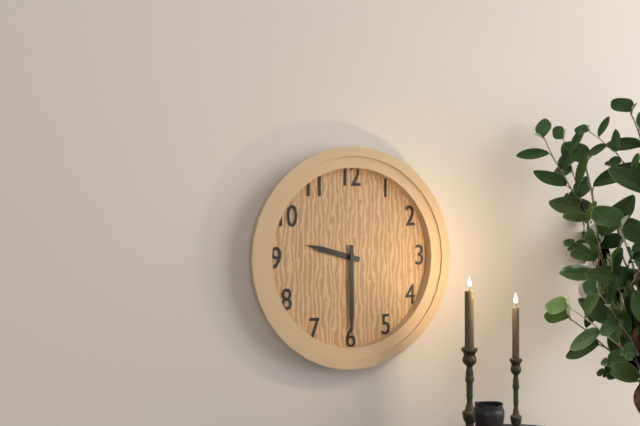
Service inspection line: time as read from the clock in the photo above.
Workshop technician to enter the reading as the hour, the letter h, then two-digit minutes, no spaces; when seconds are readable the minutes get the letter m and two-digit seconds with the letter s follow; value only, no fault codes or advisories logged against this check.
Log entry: 9h30
